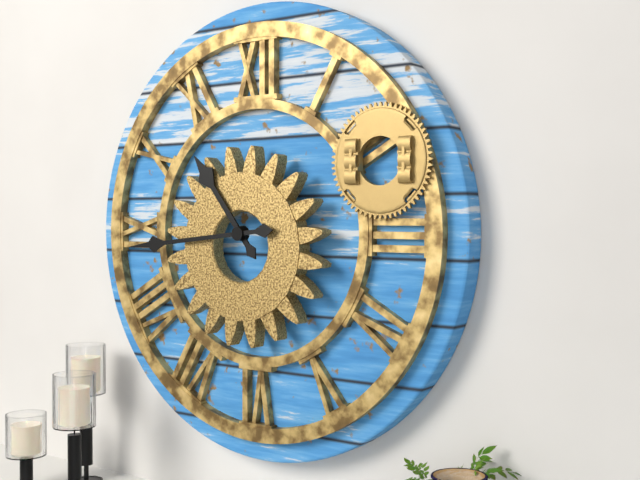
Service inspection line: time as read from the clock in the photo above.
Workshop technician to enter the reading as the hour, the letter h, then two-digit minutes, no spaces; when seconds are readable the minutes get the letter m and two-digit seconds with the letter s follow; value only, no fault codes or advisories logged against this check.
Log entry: 10h44
